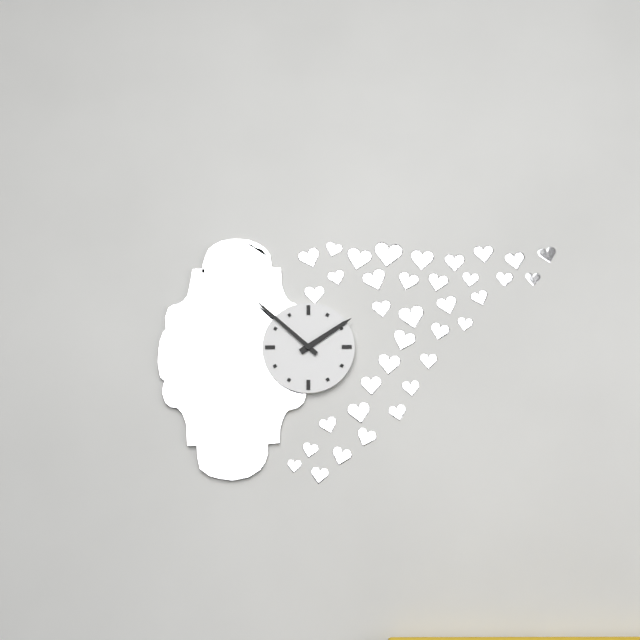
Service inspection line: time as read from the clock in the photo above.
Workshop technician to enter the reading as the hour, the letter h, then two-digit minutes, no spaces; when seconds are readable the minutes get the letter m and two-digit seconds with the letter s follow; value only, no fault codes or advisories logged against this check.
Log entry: 1h52
